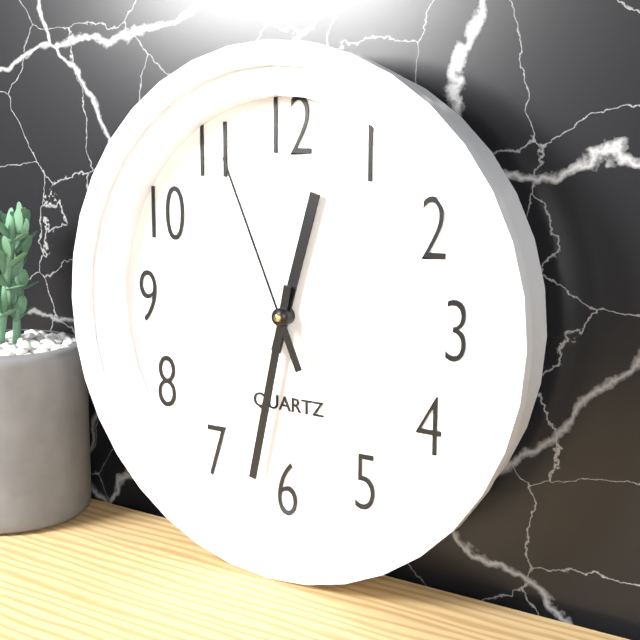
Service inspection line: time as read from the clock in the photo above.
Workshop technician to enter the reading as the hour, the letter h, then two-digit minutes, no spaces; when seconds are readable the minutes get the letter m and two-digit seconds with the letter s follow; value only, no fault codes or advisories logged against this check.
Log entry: 12h32m56s
